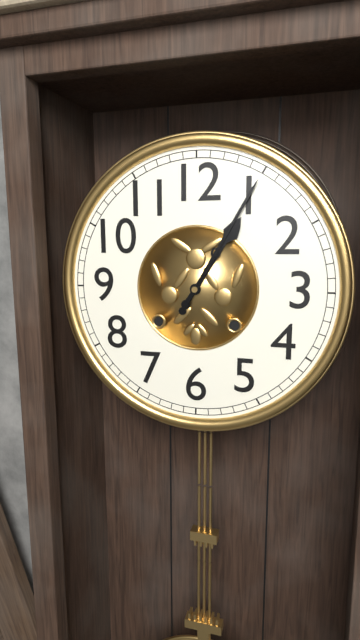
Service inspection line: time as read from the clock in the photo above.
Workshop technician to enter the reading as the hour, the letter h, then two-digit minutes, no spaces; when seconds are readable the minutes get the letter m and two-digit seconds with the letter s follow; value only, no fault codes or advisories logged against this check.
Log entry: 1h05
